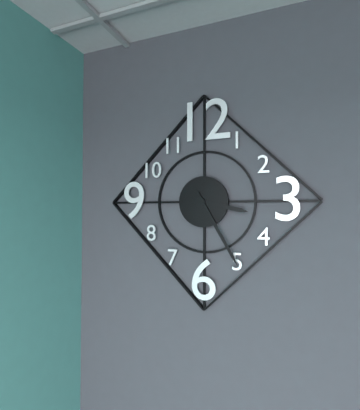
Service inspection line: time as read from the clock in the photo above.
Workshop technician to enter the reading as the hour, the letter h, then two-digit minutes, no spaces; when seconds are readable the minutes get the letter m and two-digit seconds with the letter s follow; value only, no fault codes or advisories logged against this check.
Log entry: 3h25
